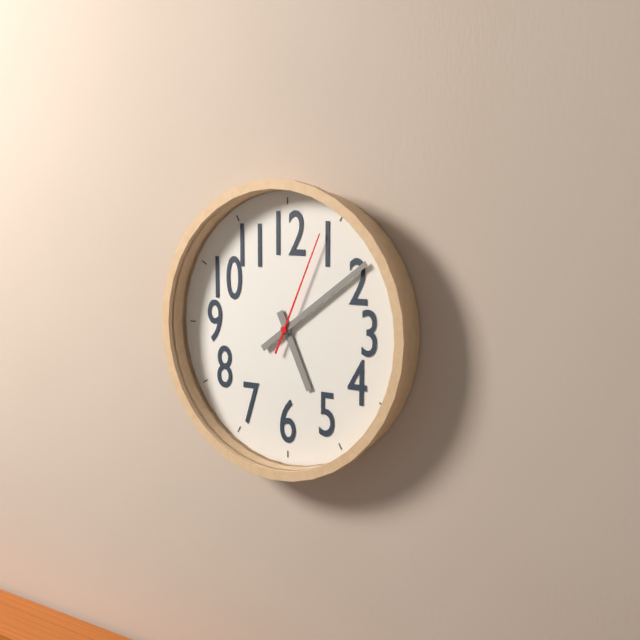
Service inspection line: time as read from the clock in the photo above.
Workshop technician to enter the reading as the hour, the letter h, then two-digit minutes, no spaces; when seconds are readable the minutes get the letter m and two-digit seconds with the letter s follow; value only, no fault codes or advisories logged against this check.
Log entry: 5h09m04s
